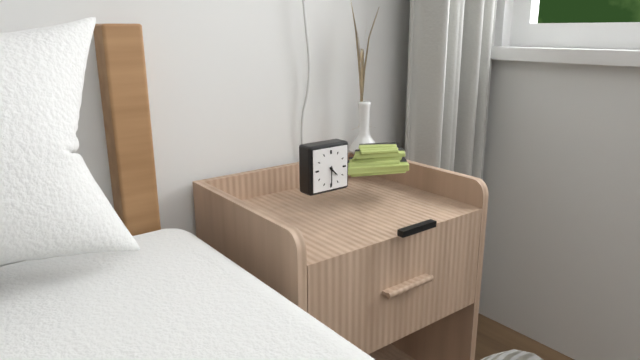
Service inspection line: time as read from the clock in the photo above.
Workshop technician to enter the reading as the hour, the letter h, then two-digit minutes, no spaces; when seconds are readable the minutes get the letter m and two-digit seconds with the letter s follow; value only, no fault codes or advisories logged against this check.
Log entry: 4h30
